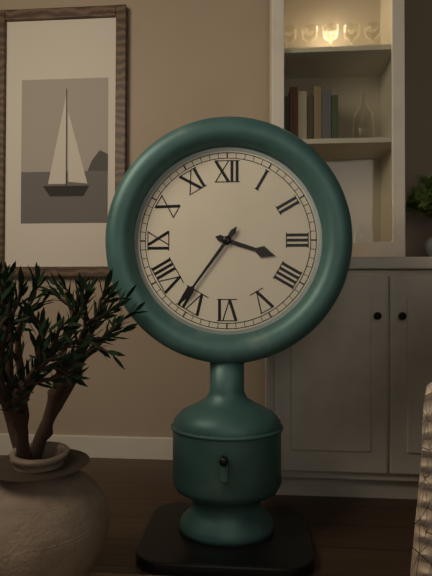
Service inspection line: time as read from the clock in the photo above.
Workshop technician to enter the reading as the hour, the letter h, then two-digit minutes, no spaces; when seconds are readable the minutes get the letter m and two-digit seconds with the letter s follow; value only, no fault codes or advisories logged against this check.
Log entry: 3h36
